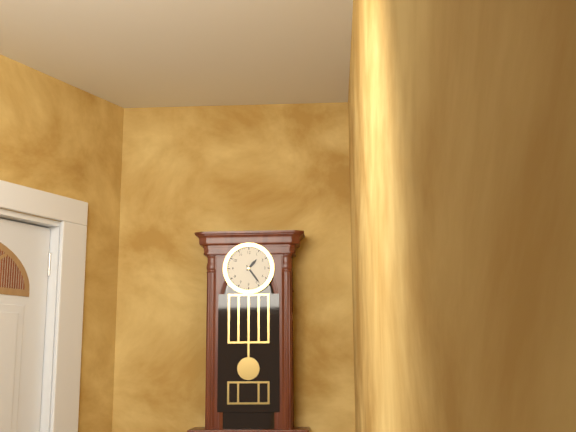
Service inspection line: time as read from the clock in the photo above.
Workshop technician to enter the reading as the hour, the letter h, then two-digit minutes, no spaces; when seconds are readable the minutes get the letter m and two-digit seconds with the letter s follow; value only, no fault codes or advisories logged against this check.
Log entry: 1h24
